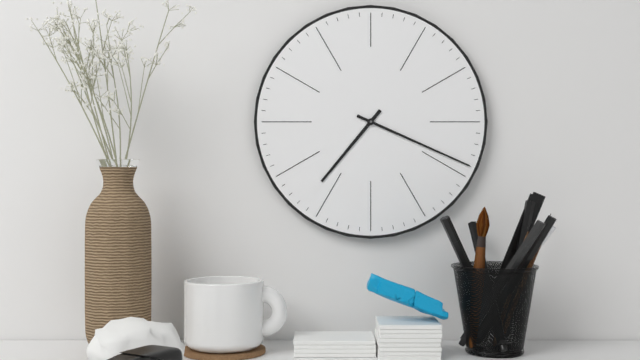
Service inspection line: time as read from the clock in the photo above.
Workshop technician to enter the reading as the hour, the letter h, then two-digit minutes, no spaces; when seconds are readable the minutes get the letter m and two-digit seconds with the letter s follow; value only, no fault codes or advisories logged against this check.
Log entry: 7h19
